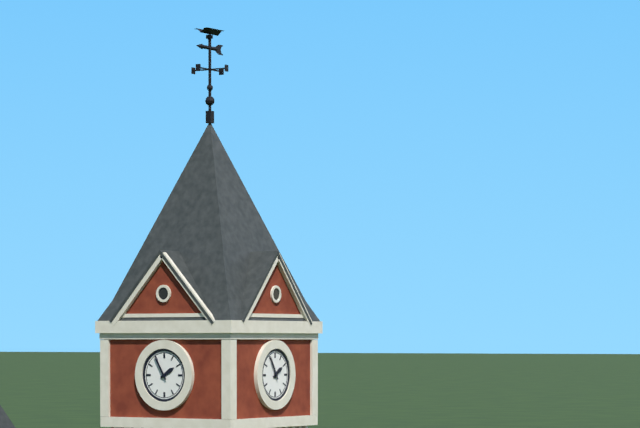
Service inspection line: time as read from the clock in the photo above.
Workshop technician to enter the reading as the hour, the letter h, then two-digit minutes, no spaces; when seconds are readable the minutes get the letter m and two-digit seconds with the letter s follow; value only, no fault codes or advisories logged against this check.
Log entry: 1h55
